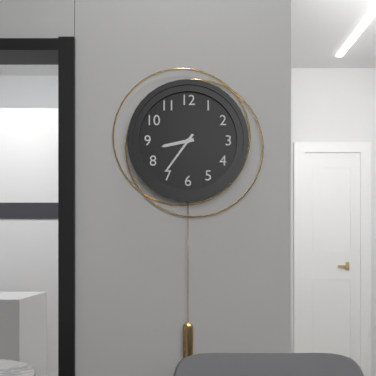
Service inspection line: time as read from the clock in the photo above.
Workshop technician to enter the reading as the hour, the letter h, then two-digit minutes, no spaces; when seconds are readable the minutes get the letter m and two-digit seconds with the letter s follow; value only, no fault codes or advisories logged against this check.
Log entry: 8h36
